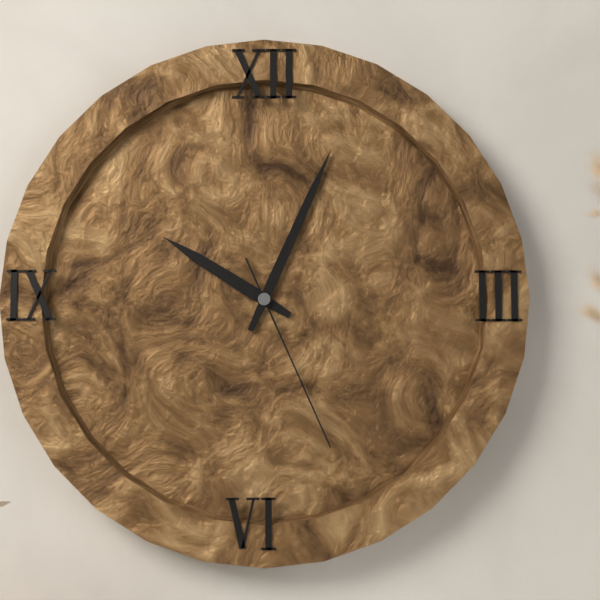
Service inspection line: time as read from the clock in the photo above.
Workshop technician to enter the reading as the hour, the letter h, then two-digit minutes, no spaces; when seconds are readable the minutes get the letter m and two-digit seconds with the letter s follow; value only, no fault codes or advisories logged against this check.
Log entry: 10h04m26s
